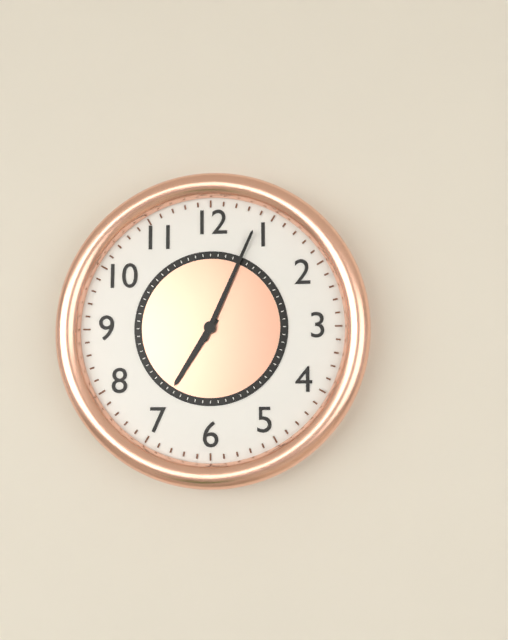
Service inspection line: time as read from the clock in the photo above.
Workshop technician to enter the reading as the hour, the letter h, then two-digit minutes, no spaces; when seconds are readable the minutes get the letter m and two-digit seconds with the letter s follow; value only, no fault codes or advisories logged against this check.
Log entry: 7h04
